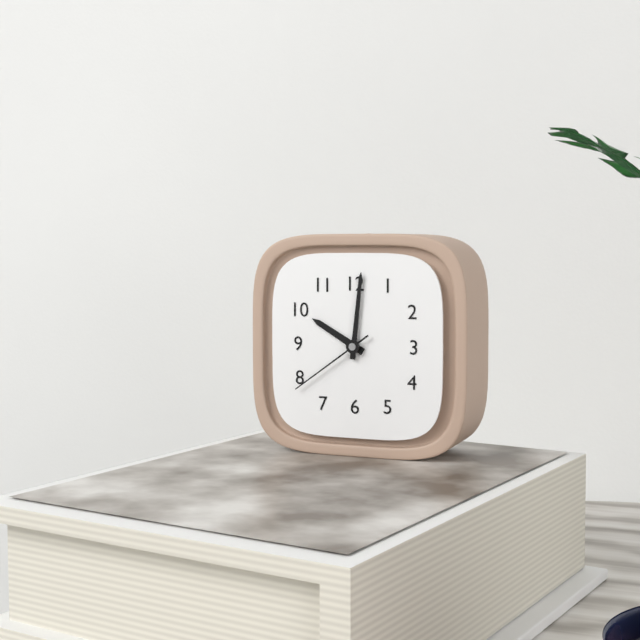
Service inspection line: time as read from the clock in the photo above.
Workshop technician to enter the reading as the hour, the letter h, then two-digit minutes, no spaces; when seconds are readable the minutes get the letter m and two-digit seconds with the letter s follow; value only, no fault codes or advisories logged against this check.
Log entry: 10h01m39s
